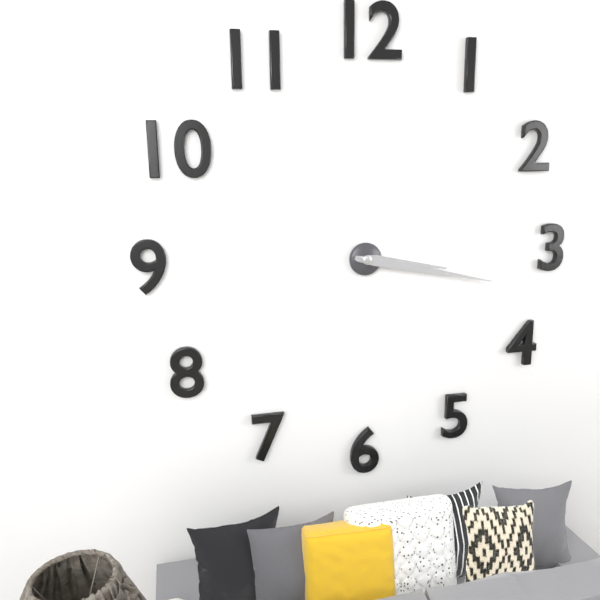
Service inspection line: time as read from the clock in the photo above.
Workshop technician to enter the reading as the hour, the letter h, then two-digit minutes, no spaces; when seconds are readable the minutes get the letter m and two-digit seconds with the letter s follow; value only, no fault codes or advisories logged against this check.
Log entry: 3h17
